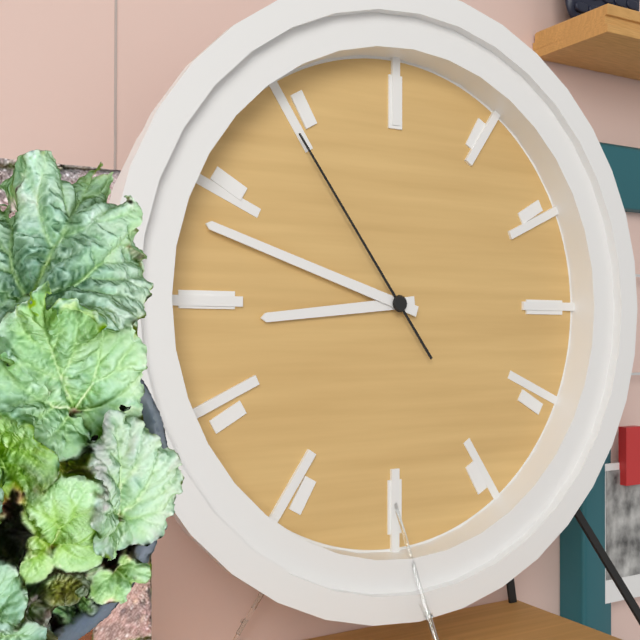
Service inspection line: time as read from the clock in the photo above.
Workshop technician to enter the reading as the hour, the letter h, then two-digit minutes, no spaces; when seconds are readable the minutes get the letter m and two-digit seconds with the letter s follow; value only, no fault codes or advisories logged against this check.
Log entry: 8h48m54s
